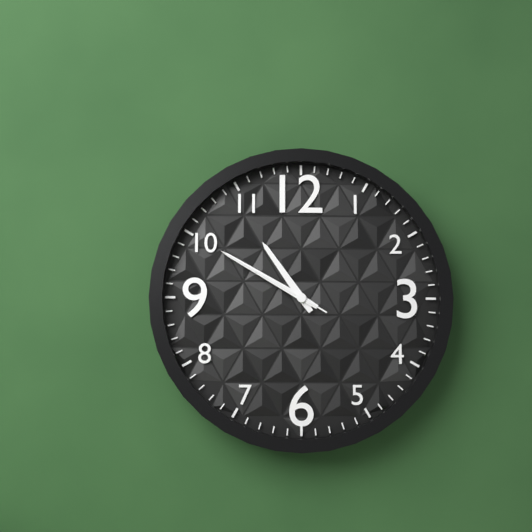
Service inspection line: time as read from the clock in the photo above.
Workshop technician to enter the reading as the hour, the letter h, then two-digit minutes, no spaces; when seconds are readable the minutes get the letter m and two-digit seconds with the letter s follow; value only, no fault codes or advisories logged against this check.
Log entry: 10h50m50s
